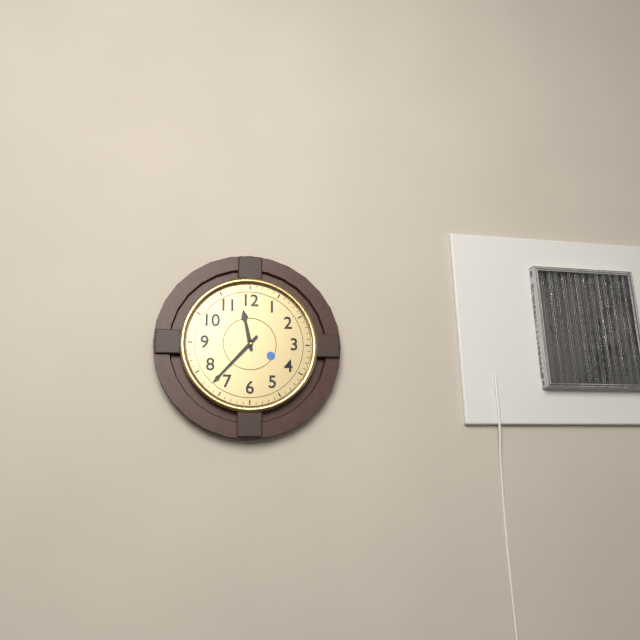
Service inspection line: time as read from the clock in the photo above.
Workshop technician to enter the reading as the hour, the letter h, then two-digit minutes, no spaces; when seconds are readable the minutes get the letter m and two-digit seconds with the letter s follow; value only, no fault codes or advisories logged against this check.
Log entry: 11h37
